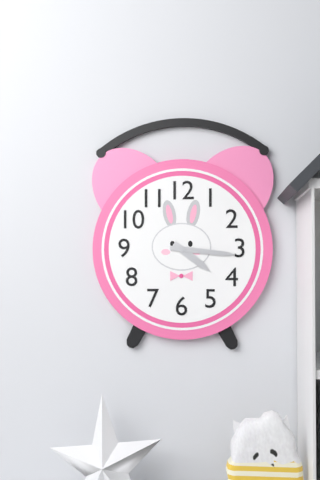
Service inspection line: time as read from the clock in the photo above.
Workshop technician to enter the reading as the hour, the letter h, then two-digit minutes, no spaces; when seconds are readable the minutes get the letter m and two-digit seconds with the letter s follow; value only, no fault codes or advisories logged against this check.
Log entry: 4h16
